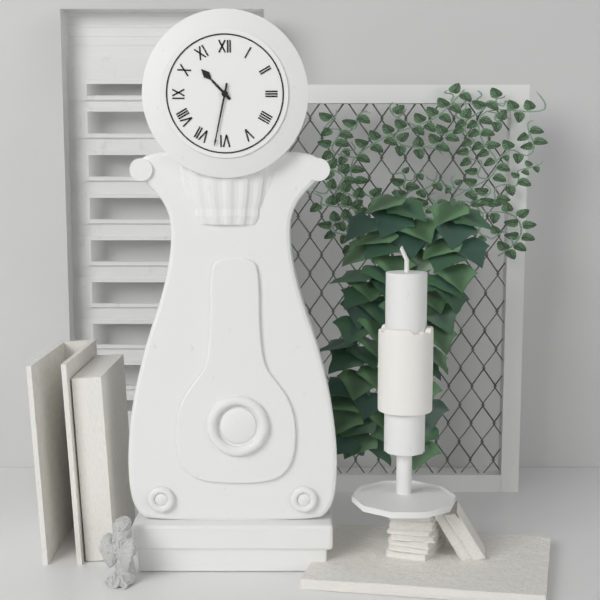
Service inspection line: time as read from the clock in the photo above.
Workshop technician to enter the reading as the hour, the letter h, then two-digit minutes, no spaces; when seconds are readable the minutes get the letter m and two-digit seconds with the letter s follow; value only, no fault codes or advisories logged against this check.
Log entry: 10h32
